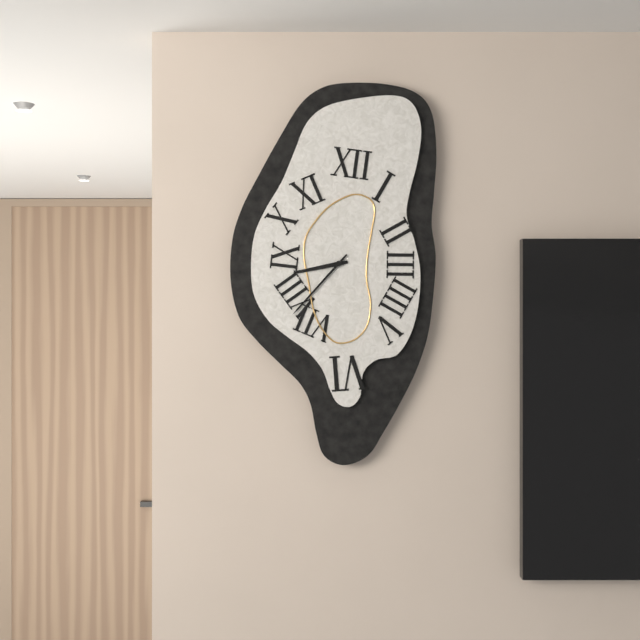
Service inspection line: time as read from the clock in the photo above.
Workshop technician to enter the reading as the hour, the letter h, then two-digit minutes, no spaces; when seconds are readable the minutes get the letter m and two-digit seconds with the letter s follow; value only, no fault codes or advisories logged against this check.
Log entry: 8h37
